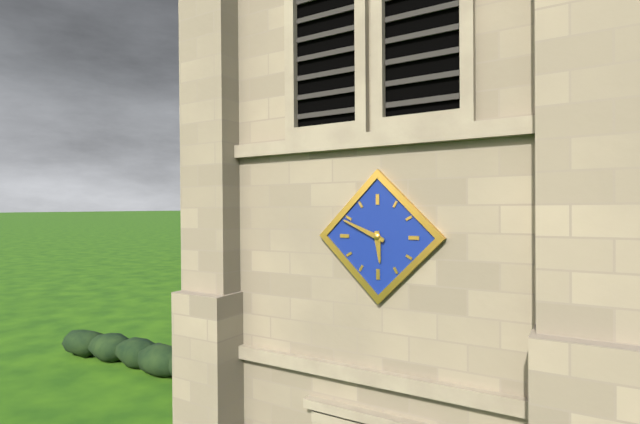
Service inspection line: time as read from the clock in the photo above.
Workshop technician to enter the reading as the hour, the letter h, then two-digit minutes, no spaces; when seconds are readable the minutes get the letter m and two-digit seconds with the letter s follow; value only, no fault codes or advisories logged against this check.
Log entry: 5h49
